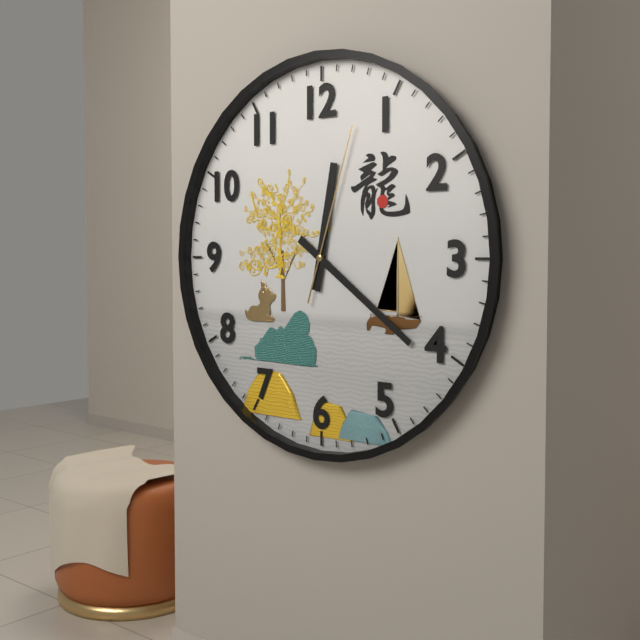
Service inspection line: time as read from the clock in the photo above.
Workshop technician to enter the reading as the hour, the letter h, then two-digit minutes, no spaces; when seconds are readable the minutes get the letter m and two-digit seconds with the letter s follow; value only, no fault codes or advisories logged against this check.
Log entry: 12h21m03s
